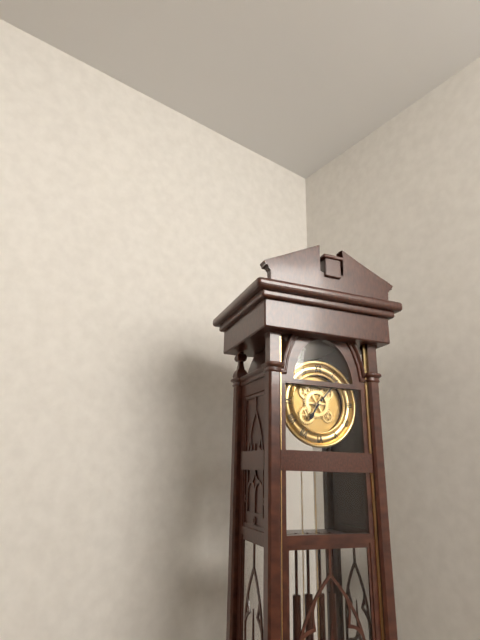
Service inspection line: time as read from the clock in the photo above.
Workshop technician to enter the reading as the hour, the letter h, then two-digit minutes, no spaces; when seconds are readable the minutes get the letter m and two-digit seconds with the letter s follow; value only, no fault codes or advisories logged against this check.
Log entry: 7h07
